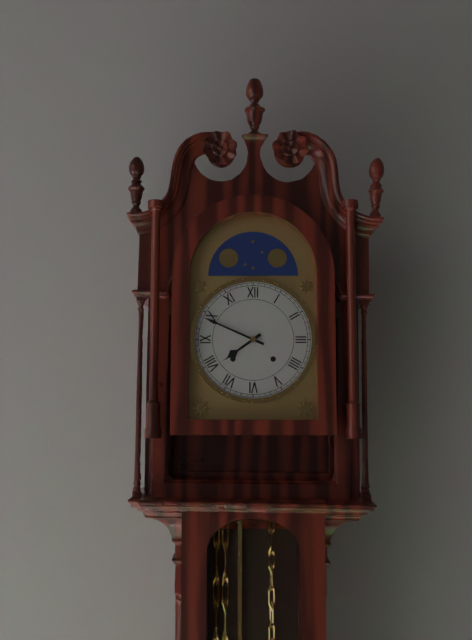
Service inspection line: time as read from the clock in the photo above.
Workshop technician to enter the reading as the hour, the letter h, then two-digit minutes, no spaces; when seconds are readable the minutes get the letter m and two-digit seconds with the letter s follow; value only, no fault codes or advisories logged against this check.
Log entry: 7h49
